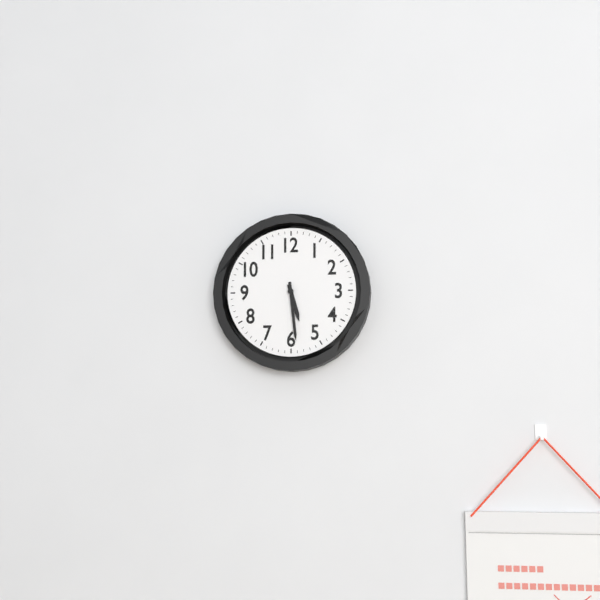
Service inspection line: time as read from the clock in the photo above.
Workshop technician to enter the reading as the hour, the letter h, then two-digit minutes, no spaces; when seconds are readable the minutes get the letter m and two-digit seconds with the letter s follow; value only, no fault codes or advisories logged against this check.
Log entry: 5h29
